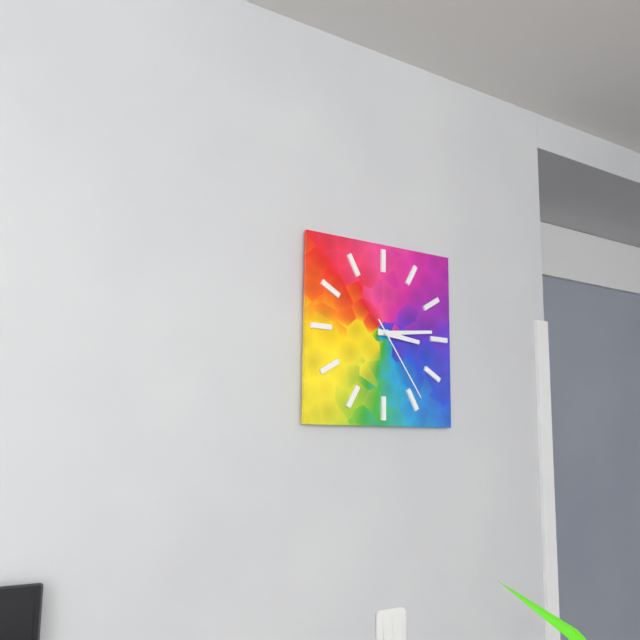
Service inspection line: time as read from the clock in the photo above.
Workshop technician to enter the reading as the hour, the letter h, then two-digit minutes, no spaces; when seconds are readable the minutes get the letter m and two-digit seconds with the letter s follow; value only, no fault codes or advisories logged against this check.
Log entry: 3h14m24s
